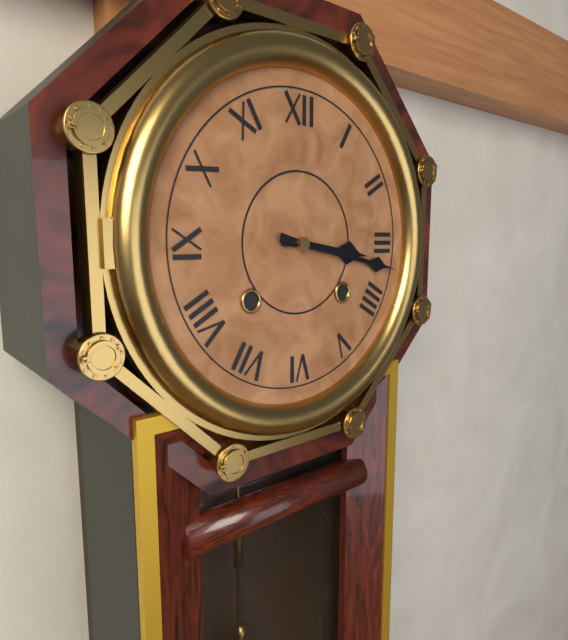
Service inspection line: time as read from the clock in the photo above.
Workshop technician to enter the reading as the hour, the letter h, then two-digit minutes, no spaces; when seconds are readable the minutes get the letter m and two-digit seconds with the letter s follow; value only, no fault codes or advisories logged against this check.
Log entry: 3h17
